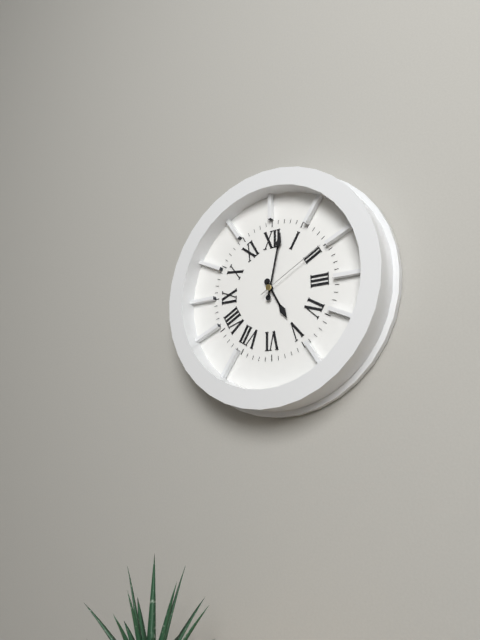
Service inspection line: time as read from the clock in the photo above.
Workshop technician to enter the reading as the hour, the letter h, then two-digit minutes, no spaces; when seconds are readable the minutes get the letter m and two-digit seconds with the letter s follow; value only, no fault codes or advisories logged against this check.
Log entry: 5h02m10s
